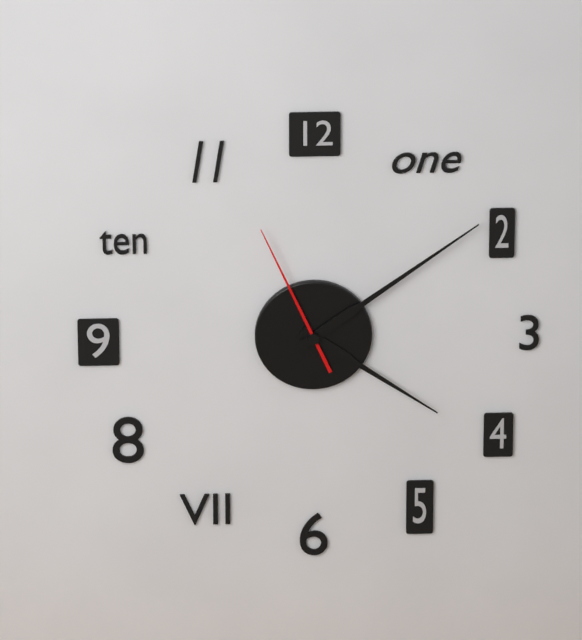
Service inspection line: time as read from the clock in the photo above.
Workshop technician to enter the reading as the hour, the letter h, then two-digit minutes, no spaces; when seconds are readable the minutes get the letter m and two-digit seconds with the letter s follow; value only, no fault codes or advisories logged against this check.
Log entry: 4h09m56s
